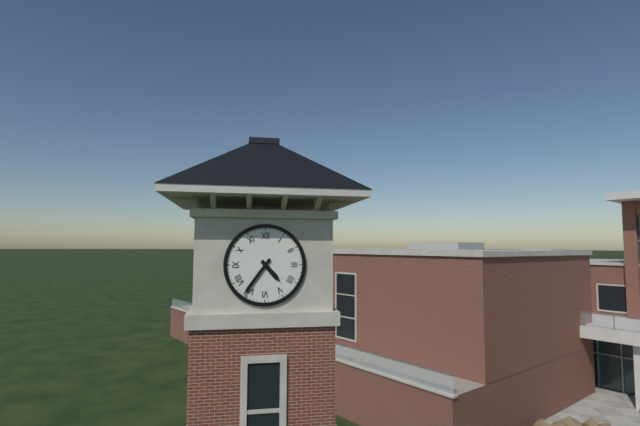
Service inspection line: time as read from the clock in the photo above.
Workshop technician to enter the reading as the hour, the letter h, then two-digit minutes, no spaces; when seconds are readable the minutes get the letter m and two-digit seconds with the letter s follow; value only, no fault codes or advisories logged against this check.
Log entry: 4h36
